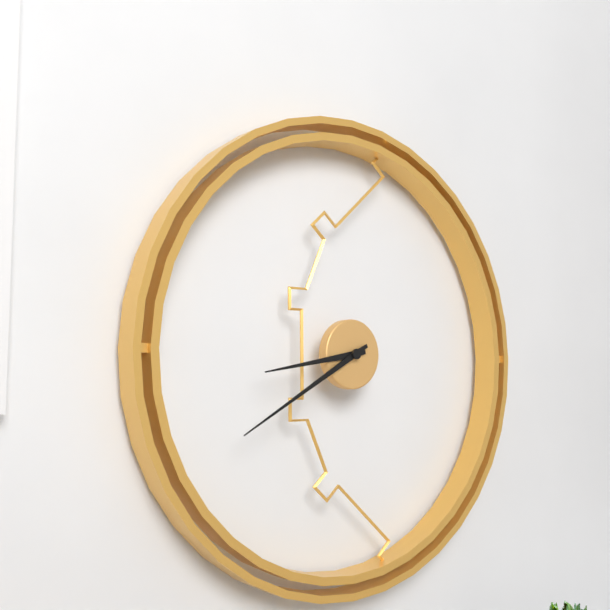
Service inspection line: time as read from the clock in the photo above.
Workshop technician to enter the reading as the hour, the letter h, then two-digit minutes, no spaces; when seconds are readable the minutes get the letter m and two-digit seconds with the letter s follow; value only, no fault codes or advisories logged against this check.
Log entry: 8h40
